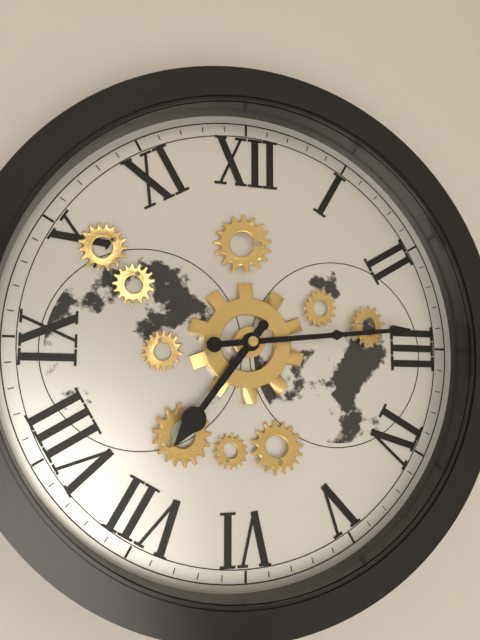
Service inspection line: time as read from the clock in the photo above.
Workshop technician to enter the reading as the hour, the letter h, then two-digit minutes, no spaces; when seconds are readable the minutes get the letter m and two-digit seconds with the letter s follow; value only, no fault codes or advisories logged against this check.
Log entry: 7h14
